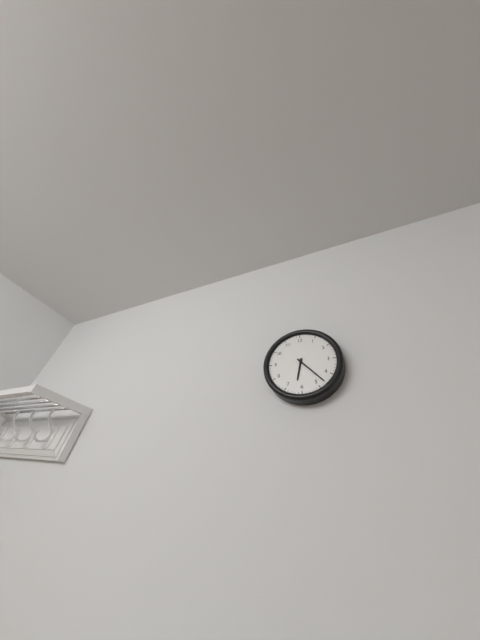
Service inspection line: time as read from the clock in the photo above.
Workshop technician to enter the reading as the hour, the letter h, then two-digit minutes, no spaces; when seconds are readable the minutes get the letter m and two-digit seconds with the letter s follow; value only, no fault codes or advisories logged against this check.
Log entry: 6h23
